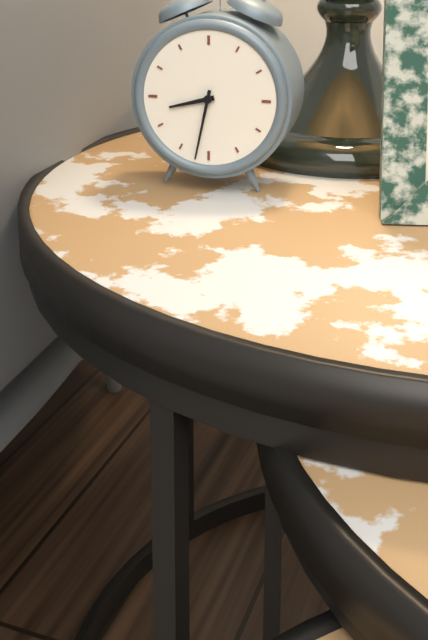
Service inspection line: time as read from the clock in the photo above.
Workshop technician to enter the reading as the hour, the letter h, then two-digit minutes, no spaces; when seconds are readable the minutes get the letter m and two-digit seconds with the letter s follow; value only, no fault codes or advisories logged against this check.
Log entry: 8h32
